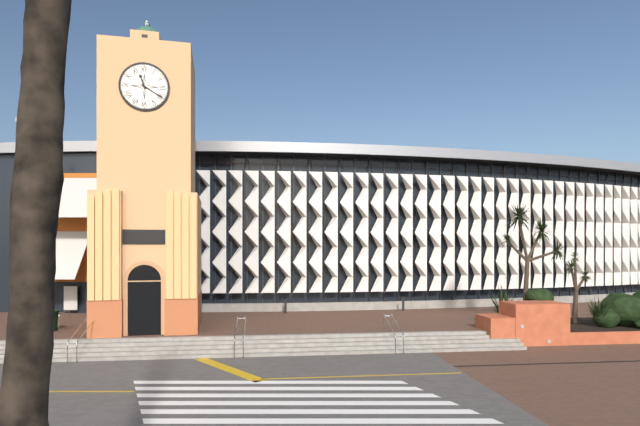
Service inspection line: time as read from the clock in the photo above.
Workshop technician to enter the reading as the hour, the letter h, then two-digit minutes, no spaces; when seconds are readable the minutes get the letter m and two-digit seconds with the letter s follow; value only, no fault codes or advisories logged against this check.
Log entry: 11h20
